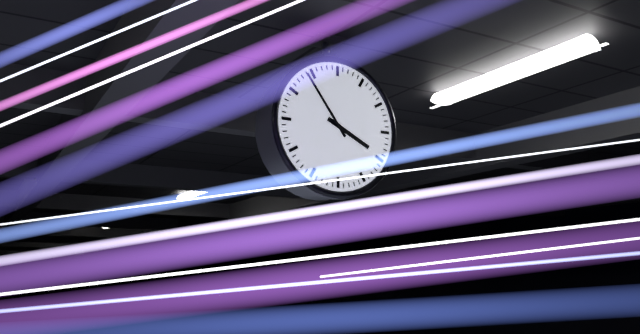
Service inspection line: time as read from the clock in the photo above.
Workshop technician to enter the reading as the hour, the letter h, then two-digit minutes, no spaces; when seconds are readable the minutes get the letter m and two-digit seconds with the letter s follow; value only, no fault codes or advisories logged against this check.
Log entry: 3h54
